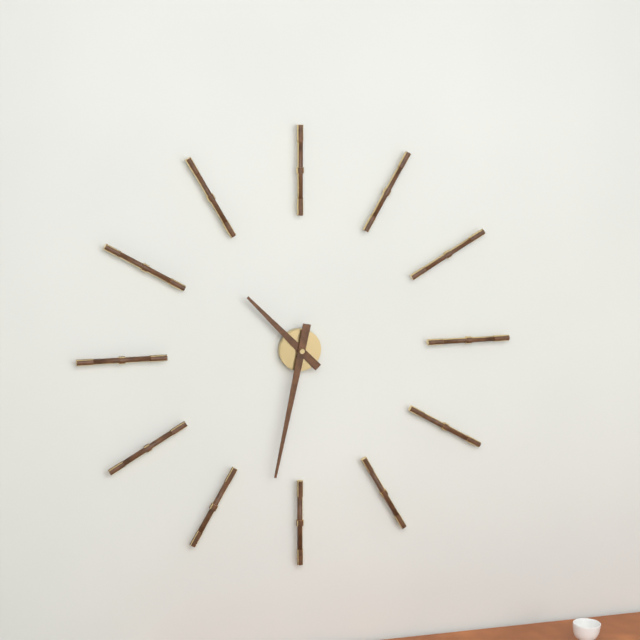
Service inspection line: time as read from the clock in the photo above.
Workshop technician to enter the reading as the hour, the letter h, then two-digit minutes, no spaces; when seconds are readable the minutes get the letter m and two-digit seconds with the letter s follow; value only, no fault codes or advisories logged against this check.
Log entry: 10h32
